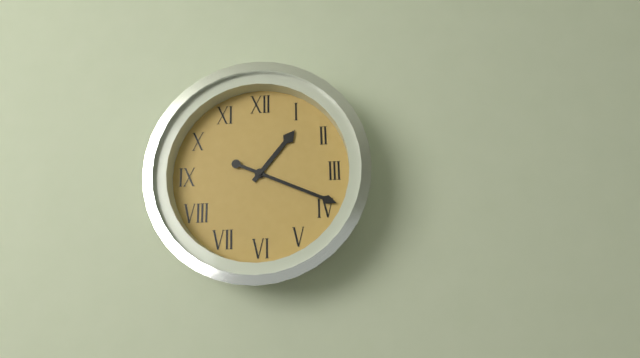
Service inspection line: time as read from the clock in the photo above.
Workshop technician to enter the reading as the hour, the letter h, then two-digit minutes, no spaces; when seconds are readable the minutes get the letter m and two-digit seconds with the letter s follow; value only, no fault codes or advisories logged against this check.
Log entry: 1h19
